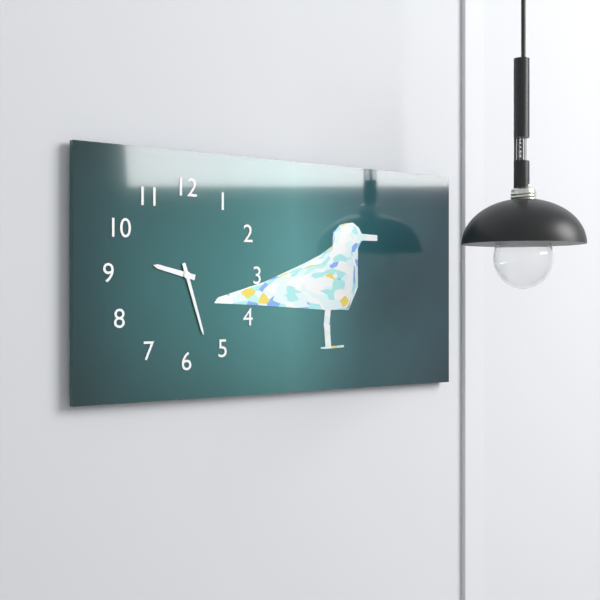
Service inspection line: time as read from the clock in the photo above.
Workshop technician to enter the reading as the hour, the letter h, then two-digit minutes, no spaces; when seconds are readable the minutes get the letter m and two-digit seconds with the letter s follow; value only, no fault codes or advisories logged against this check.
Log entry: 9h27
